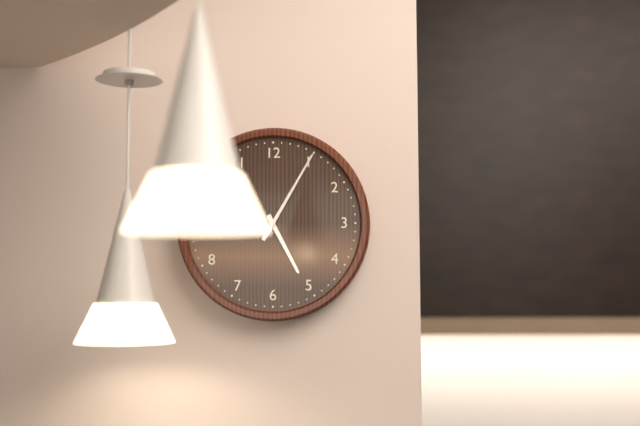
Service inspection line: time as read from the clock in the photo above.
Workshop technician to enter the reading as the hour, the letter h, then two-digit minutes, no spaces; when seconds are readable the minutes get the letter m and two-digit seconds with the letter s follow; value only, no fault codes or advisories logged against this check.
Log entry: 5h05
